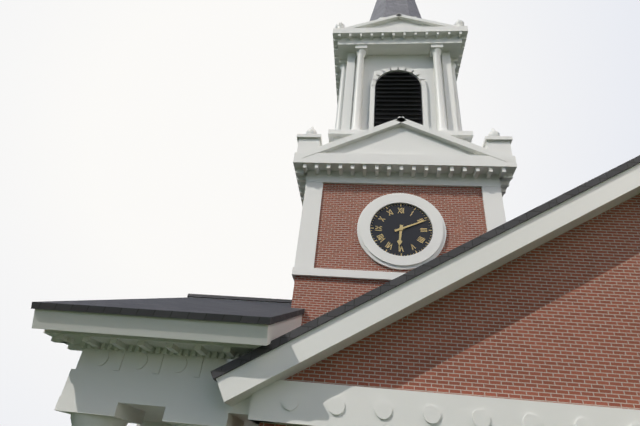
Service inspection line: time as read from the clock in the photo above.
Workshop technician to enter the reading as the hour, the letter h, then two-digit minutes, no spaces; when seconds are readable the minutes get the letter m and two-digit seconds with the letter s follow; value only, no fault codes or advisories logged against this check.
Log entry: 6h11
